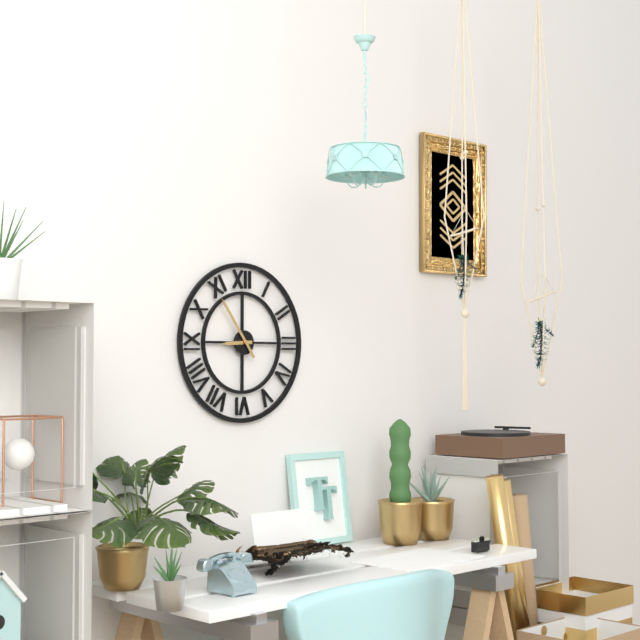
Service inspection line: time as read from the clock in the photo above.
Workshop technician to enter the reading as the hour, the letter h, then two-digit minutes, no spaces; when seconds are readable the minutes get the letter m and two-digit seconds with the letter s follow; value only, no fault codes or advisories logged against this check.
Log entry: 8h54
